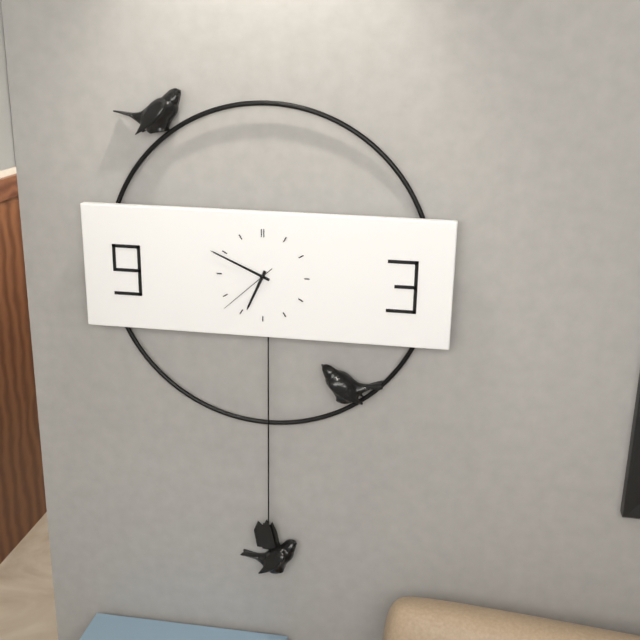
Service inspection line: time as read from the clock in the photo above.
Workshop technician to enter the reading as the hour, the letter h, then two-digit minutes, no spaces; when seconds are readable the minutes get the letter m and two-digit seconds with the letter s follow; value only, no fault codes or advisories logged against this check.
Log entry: 6h49m38s
